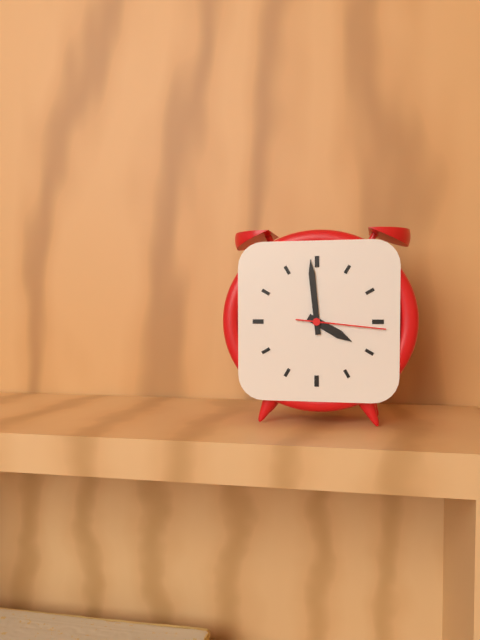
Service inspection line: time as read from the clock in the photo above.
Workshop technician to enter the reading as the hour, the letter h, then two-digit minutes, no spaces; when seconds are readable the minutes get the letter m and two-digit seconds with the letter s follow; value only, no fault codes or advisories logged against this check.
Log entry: 3h59m16s
